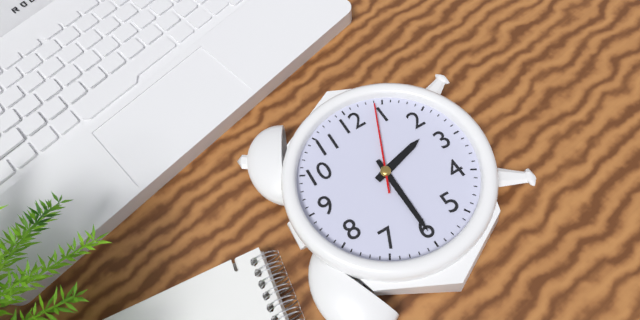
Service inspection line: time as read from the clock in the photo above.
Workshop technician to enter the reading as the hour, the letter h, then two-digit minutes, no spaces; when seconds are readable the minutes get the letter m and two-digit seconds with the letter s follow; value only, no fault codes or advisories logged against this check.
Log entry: 2h30m04s
